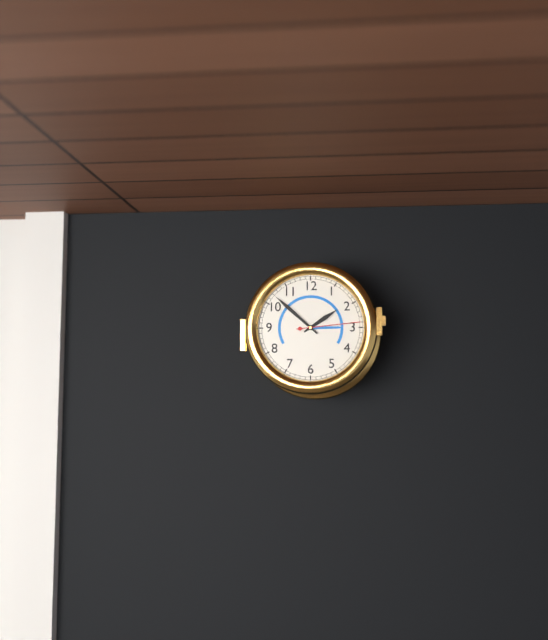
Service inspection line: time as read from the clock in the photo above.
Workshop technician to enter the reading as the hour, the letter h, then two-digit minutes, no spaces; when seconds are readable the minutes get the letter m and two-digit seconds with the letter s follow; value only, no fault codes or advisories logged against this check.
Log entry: 1h52m14s
